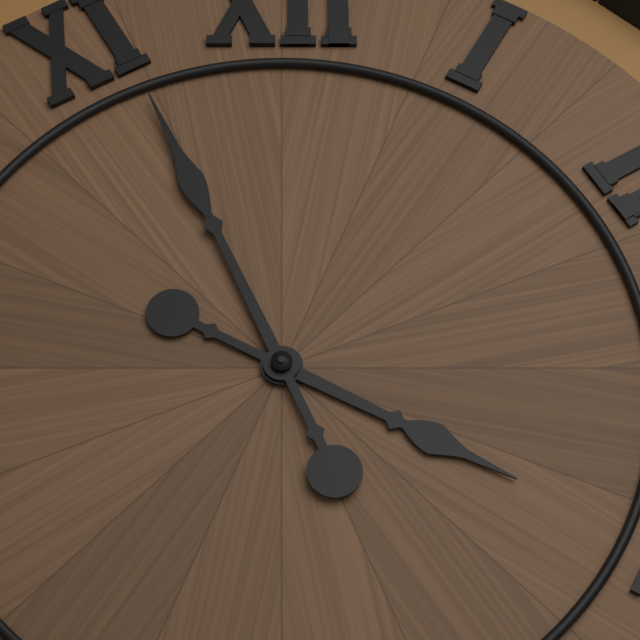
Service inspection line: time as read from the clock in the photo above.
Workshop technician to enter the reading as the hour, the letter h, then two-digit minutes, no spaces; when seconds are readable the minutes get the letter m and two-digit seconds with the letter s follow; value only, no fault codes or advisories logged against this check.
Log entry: 3h56
